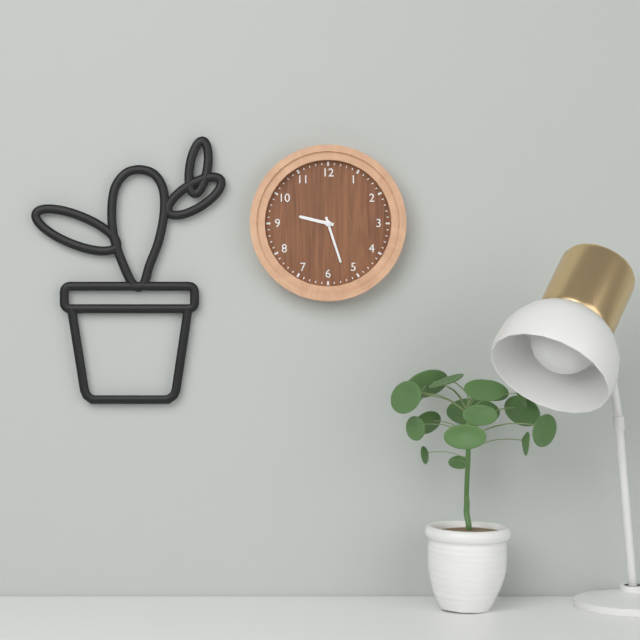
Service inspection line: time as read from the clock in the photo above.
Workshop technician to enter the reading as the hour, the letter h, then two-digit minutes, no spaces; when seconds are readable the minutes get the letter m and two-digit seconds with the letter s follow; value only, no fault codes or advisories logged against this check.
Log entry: 9h27
